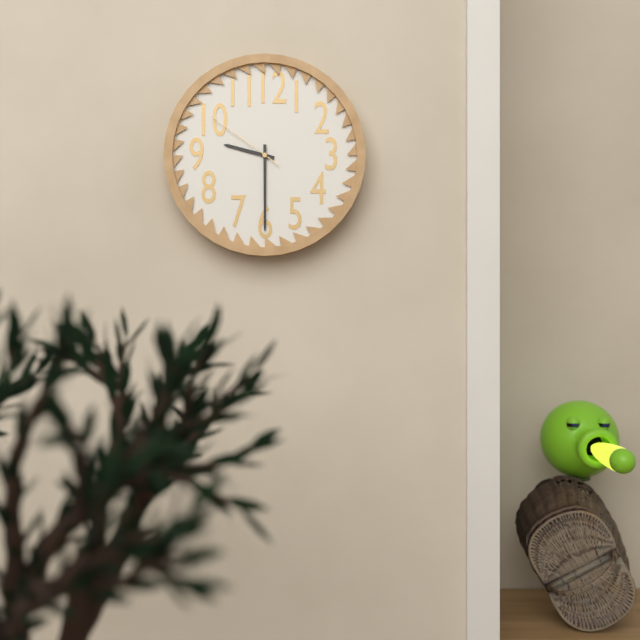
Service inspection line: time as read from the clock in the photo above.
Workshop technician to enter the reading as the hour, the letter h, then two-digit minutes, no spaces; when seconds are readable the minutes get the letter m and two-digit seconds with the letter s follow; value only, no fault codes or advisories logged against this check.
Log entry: 9h30m51s
